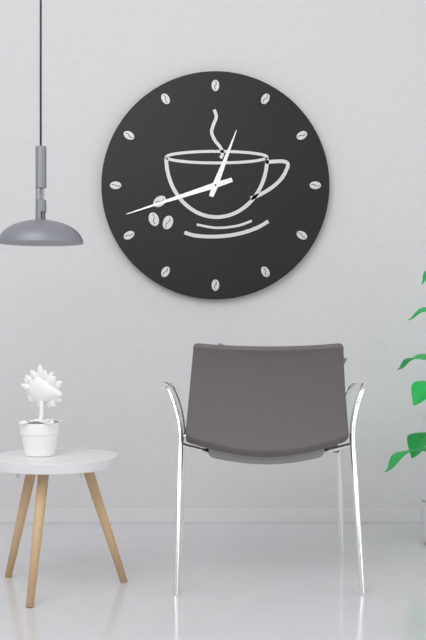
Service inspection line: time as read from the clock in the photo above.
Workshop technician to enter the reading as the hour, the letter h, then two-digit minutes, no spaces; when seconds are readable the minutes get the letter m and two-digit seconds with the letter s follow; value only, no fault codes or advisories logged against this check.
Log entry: 12h42
